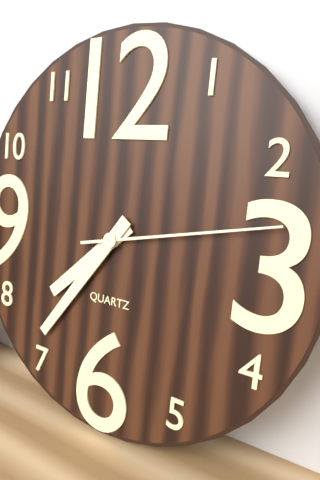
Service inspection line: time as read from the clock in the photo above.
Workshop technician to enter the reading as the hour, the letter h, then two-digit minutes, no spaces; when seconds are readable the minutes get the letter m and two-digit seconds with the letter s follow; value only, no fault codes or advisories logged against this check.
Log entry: 7h36m13s
